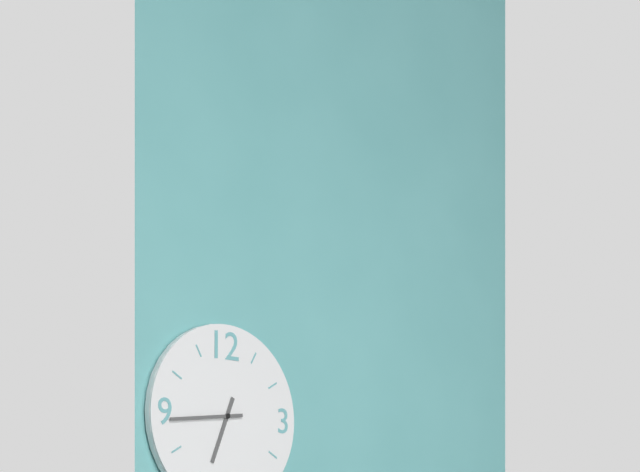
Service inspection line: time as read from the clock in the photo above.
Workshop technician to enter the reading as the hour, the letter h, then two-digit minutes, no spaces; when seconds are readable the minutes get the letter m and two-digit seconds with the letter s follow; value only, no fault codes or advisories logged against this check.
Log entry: 6h44
